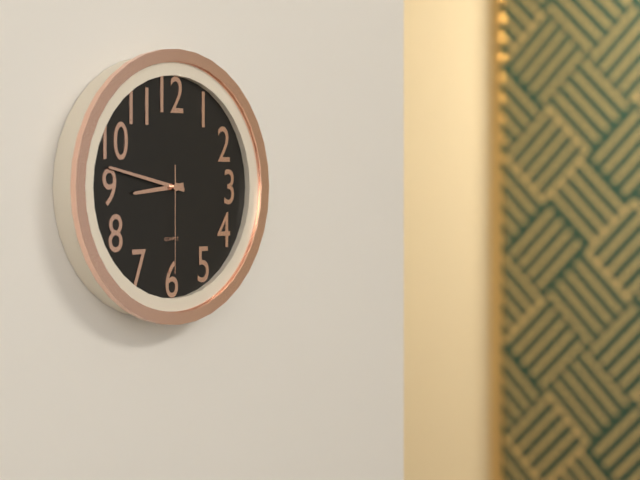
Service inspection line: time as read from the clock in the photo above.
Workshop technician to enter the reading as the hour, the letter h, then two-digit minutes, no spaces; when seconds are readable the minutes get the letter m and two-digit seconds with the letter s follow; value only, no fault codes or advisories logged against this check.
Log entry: 8h47m30s
